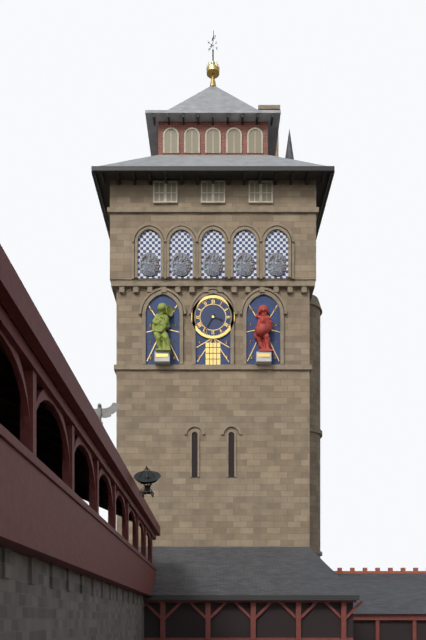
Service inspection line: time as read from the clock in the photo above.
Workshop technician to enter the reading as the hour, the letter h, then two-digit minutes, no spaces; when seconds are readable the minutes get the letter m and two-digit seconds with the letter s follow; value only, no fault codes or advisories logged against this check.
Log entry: 3h35
